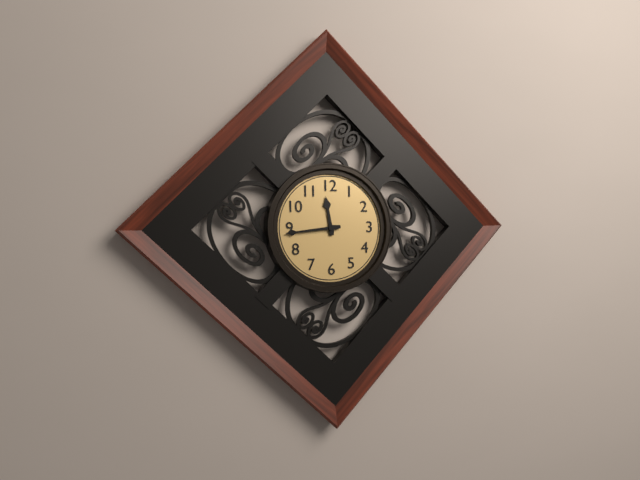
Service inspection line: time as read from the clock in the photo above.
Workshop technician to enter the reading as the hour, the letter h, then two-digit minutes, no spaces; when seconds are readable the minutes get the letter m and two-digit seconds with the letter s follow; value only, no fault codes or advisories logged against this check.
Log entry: 11h44
